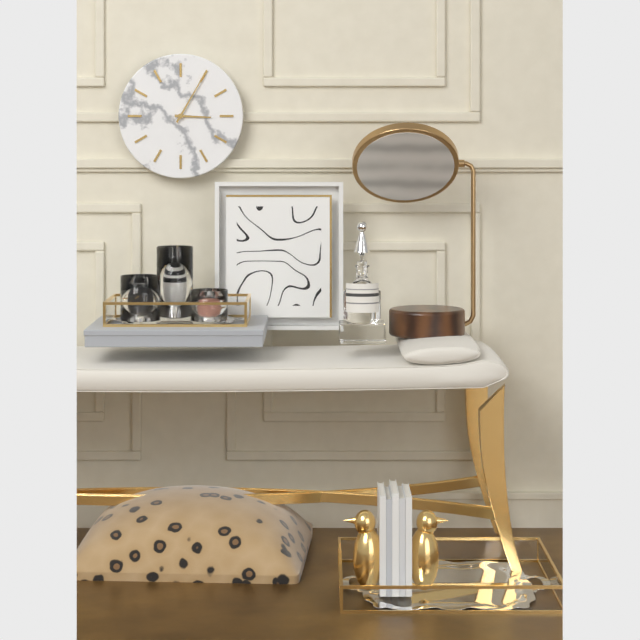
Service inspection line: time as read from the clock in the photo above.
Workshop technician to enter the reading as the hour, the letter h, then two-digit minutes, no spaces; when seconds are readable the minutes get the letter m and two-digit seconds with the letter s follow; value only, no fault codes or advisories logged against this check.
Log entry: 3h05
